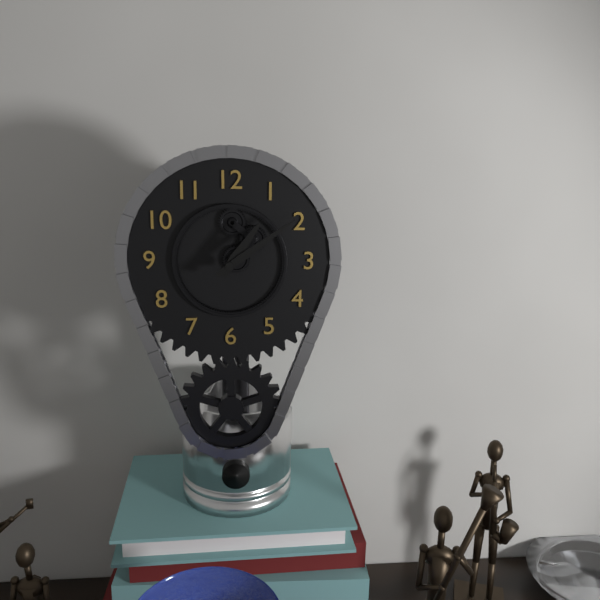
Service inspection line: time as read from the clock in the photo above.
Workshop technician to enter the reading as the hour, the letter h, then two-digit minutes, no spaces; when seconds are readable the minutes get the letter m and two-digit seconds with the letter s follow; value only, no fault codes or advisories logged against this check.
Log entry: 1h09
